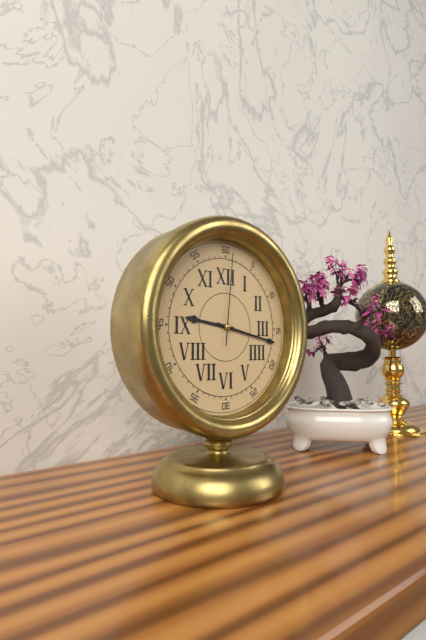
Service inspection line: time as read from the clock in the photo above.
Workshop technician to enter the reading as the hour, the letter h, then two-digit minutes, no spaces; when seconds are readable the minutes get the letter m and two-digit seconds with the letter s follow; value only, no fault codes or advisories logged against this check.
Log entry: 9h17m01s
